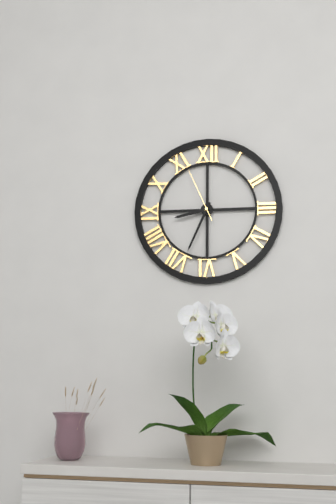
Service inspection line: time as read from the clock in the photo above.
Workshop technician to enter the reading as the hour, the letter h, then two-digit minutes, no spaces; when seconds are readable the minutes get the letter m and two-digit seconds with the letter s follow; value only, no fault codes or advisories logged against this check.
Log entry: 8h34m56s
